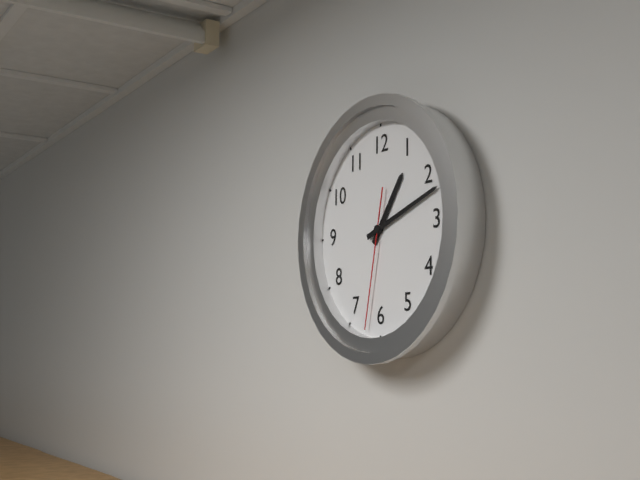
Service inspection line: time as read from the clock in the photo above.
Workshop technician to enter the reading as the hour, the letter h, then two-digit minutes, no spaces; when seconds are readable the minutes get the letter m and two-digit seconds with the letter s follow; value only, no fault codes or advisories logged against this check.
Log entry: 1h12m32s
